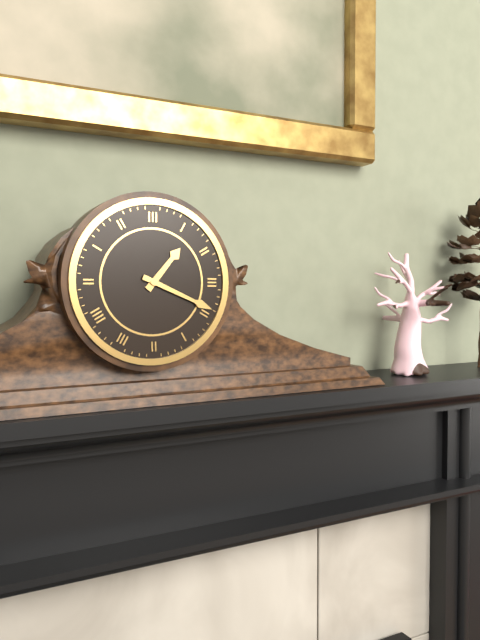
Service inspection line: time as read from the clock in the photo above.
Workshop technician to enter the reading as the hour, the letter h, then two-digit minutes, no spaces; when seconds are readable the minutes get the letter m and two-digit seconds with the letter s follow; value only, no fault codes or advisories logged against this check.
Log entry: 1h19
